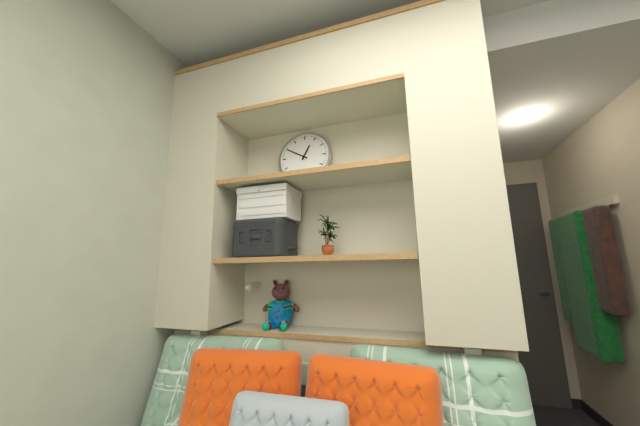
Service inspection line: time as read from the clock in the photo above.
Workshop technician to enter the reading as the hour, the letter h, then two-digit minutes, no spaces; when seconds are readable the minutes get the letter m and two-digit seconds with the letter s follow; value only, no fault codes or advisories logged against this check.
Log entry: 12h50
